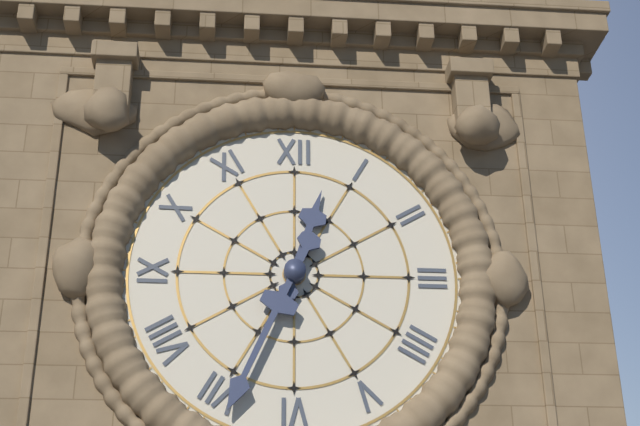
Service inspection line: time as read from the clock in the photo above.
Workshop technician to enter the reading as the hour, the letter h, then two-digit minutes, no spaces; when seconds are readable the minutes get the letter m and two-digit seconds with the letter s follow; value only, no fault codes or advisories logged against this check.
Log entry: 12h34
